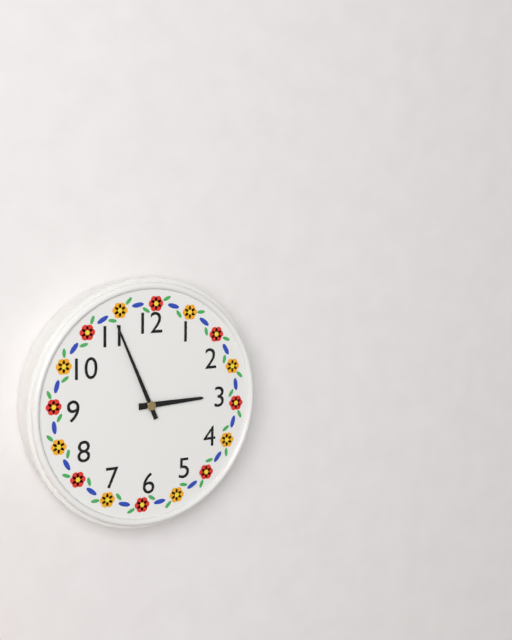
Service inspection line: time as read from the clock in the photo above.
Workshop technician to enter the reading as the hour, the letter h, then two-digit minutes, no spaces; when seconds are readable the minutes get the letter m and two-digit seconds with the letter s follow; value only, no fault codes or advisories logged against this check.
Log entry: 2h56
